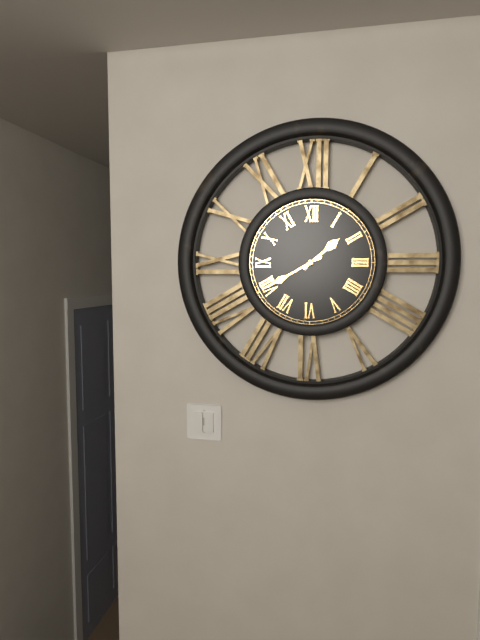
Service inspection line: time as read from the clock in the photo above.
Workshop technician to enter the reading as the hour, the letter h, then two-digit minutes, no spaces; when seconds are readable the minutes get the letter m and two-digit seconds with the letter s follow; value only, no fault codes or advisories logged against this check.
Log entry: 1h40
